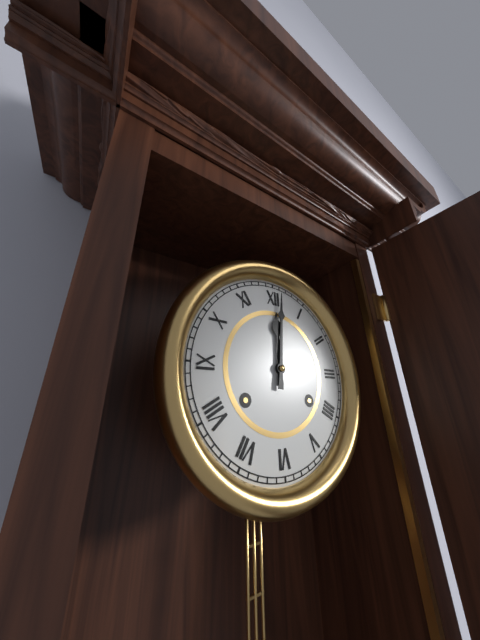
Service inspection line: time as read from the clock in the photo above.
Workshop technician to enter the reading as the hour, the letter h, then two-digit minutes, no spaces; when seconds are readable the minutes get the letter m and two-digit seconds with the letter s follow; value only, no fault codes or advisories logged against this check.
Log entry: 12h01
